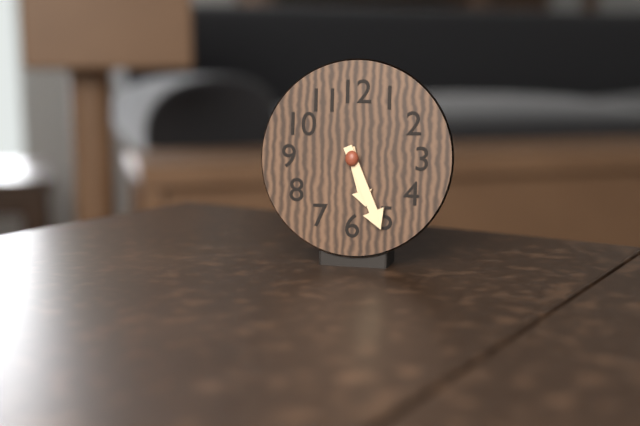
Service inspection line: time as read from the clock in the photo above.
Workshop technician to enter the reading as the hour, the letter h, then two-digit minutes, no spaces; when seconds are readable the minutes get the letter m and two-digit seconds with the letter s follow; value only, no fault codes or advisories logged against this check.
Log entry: 5h26
